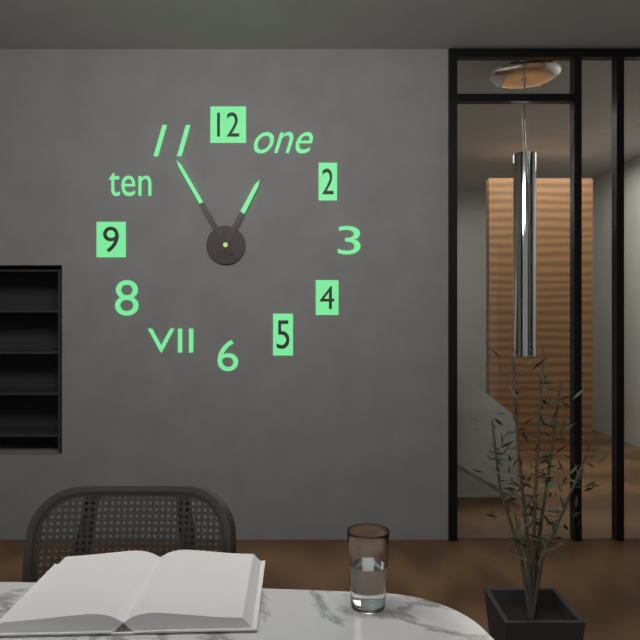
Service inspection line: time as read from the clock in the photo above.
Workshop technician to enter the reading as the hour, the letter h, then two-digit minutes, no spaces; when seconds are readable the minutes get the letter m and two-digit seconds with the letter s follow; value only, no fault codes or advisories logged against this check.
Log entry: 12h55
